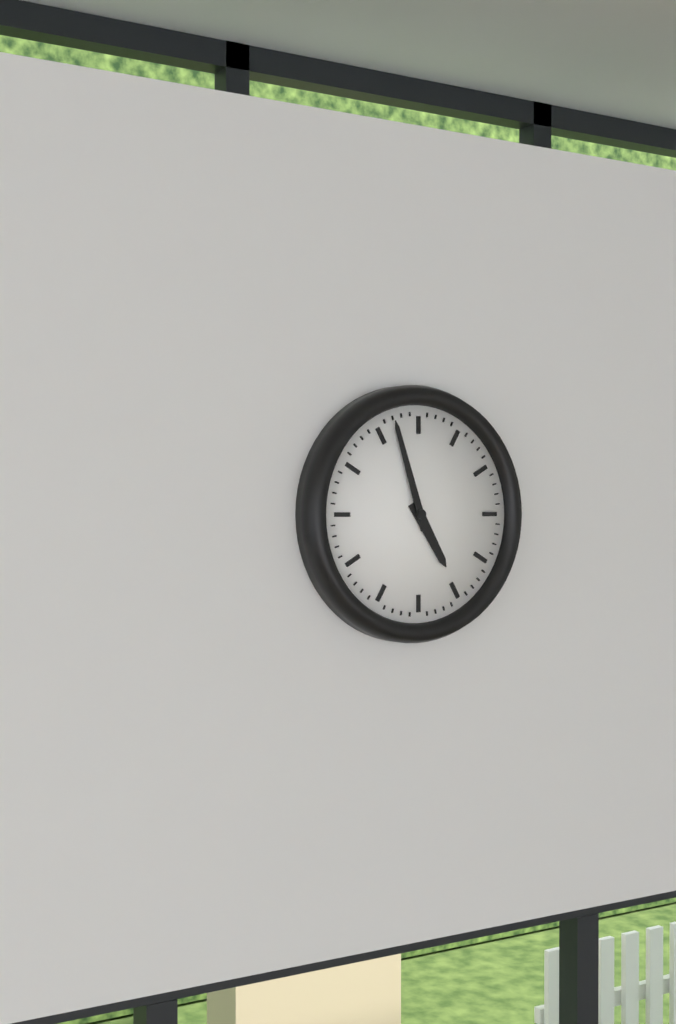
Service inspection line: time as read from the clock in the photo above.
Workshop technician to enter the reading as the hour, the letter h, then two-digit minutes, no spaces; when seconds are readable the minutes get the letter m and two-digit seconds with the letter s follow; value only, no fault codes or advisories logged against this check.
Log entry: 4h57
